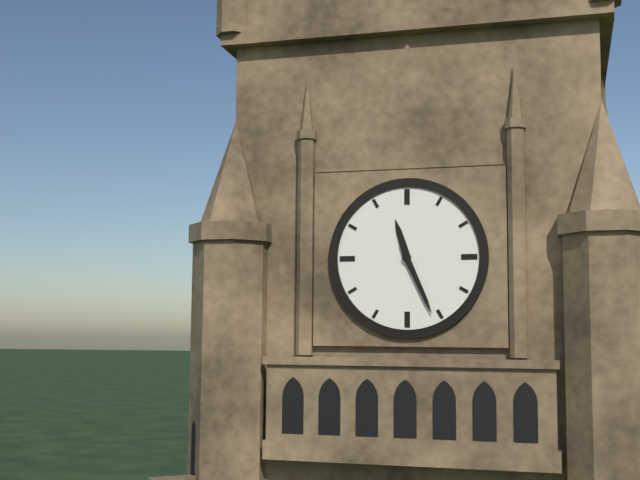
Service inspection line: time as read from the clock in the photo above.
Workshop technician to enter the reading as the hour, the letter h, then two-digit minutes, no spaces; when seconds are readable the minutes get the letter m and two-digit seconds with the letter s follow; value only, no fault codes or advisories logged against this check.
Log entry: 11h26
